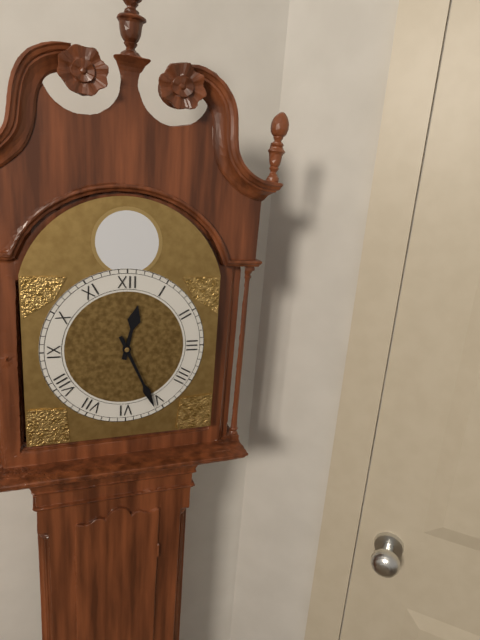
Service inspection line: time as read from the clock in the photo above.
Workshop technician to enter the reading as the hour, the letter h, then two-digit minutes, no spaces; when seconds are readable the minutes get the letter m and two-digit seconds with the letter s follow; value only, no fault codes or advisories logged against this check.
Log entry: 12h26
